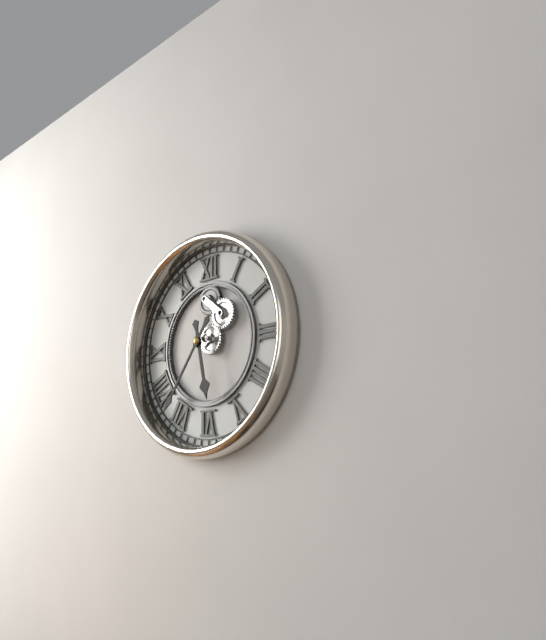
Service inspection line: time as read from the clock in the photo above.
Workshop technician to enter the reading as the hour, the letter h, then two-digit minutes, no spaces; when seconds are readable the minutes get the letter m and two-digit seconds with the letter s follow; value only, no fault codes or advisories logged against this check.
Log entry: 5h36
